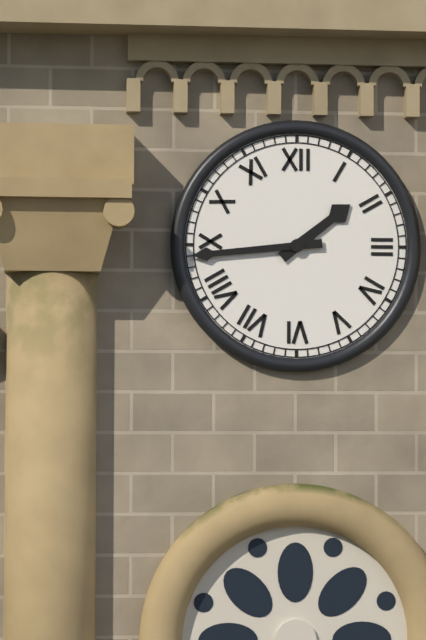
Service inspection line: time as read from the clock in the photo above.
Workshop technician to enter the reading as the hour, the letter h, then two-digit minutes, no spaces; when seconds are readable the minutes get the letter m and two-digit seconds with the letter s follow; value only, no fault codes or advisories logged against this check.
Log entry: 1h44
